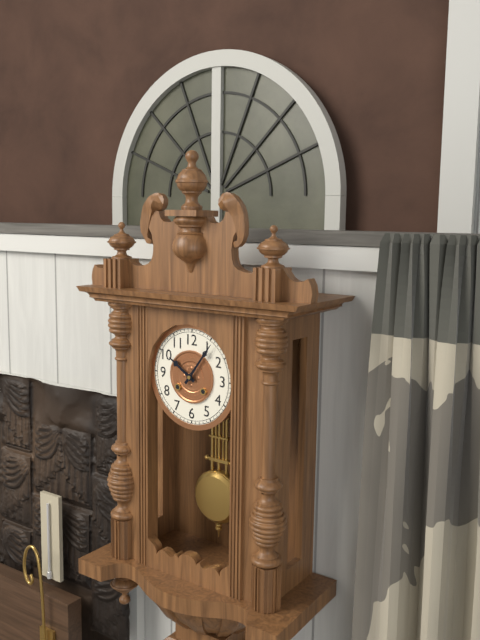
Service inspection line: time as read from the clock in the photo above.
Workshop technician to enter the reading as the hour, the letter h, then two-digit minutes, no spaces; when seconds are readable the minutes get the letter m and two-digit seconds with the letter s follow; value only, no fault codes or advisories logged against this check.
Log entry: 10h06
